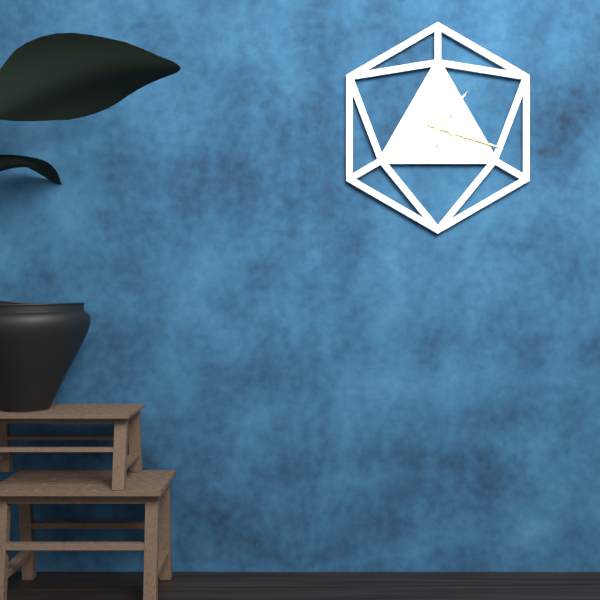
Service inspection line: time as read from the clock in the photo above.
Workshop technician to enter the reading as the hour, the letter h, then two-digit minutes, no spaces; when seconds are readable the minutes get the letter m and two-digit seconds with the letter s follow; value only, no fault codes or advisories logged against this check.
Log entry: 1h18m00s
